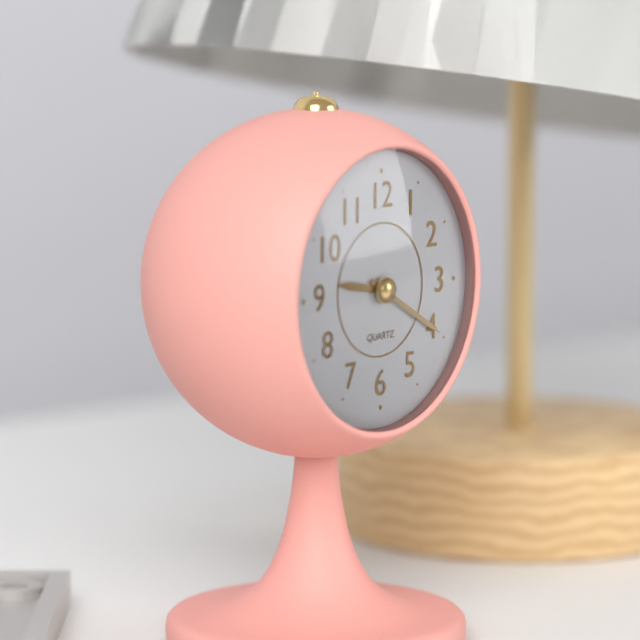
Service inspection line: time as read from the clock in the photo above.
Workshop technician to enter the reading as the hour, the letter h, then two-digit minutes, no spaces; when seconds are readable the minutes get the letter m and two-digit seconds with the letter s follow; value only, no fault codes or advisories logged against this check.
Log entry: 9h20
